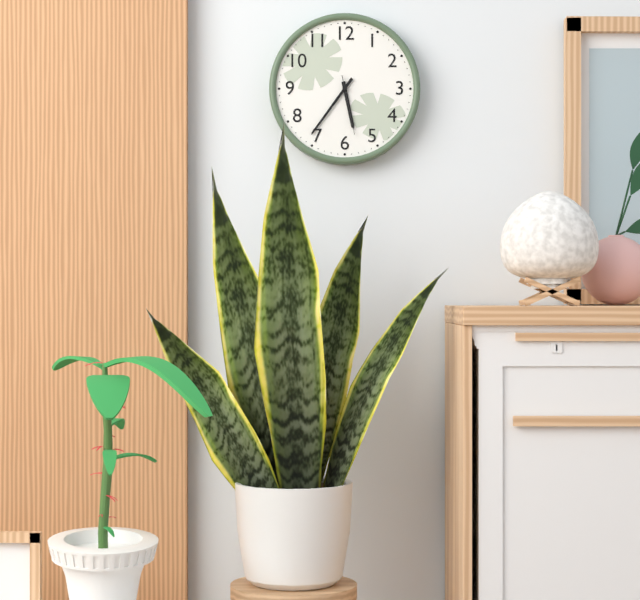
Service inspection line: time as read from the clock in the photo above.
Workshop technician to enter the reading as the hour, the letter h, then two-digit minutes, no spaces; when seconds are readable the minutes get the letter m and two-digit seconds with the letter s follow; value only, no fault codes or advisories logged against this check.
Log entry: 5h36m28s
